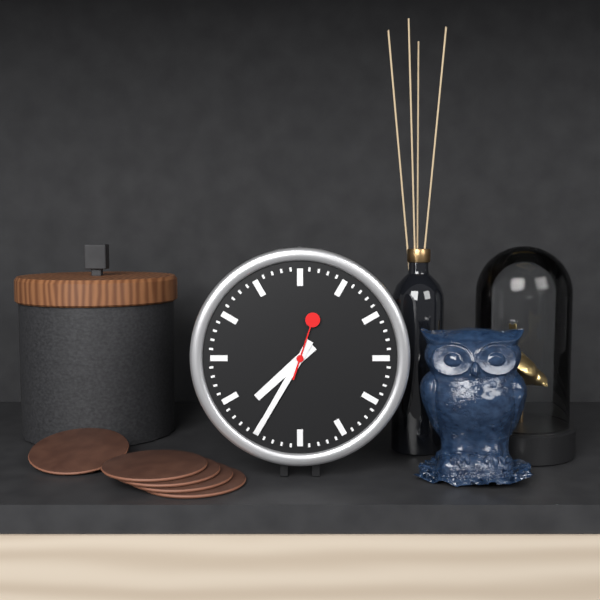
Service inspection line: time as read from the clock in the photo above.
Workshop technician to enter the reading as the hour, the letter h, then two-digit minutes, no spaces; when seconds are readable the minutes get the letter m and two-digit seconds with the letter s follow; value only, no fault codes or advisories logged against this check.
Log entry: 7h35m03s
